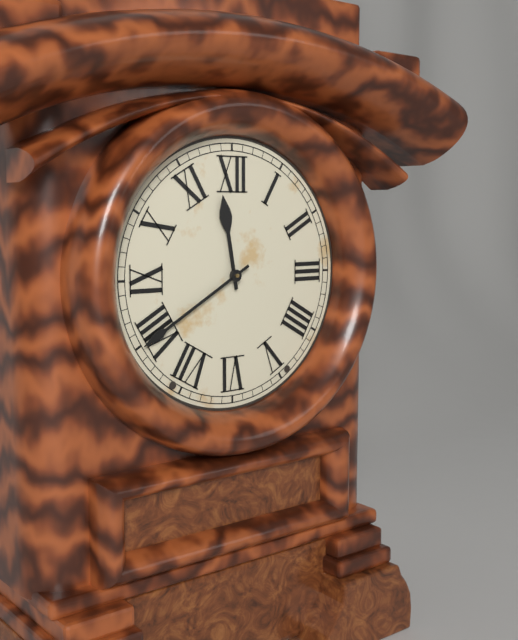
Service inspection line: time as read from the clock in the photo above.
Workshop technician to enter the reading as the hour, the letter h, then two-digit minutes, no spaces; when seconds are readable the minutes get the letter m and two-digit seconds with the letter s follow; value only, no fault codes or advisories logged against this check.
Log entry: 11h40
